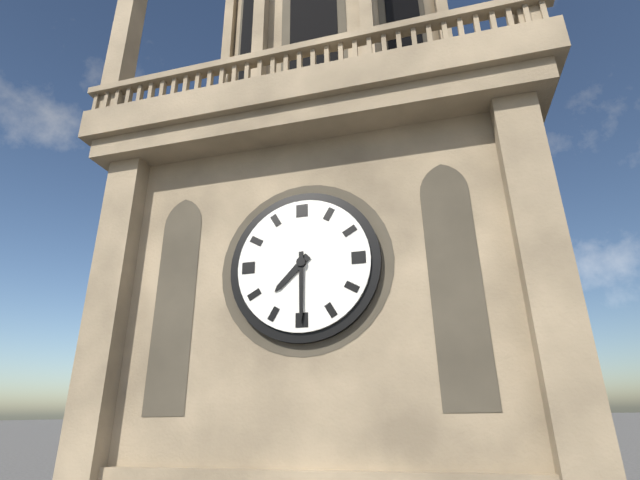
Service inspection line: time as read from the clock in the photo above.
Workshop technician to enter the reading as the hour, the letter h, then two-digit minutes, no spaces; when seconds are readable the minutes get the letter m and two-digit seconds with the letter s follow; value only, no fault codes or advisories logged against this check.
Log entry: 7h30
